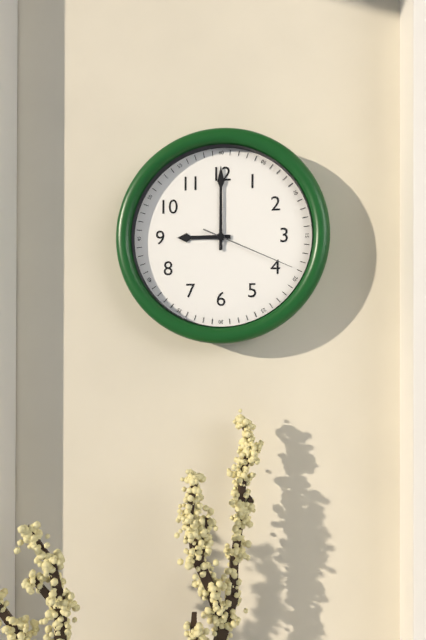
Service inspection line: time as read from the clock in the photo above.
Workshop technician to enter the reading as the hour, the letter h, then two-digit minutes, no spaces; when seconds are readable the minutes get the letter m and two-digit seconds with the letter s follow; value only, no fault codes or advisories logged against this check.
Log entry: 9h00m19s
